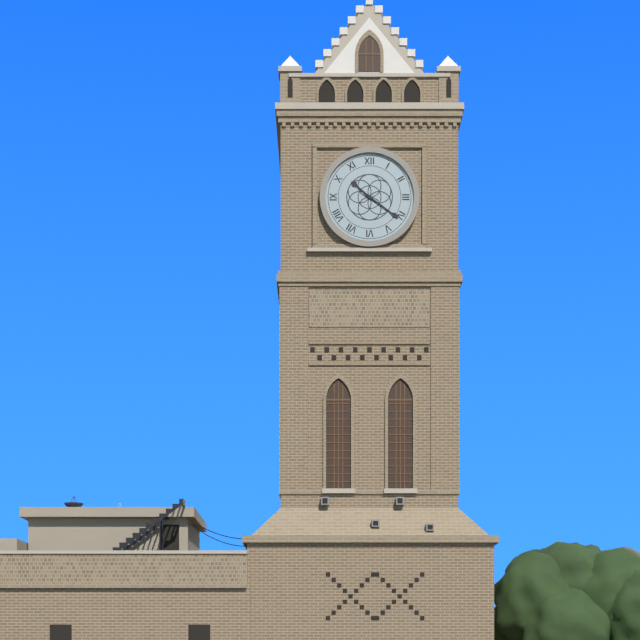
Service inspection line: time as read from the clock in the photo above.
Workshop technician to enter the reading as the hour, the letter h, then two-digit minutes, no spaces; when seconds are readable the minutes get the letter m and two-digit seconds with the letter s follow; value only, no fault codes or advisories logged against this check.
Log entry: 10h21
